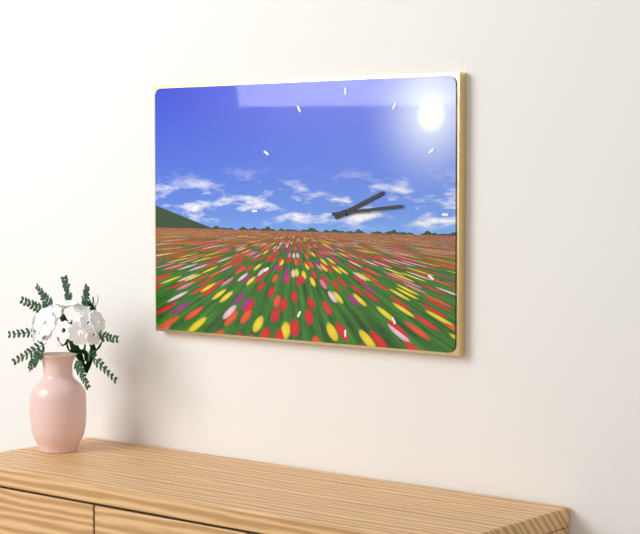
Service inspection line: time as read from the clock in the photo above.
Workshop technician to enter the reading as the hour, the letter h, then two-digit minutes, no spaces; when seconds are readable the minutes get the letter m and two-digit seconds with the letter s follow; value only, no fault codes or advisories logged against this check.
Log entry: 2h14
